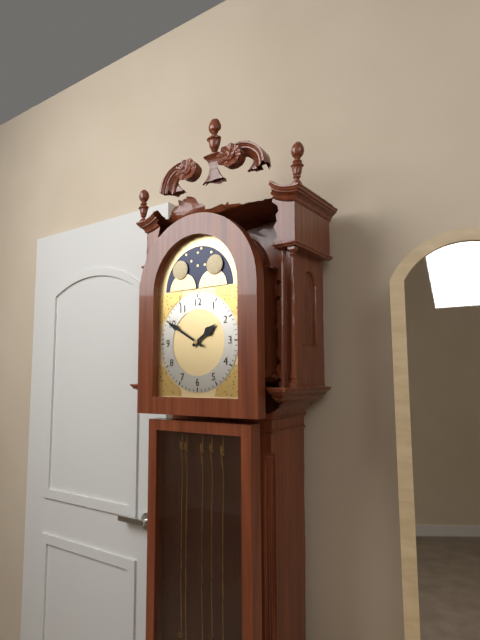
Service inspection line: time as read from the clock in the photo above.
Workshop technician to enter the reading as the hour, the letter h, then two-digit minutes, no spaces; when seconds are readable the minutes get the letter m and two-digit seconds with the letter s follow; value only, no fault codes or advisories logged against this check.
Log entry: 1h50
